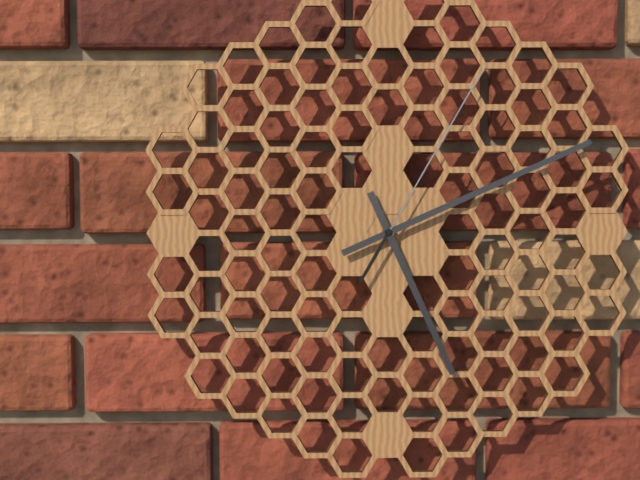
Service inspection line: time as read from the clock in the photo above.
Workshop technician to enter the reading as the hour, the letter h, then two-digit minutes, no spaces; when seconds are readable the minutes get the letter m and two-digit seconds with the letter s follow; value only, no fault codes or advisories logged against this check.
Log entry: 5h11m05s
